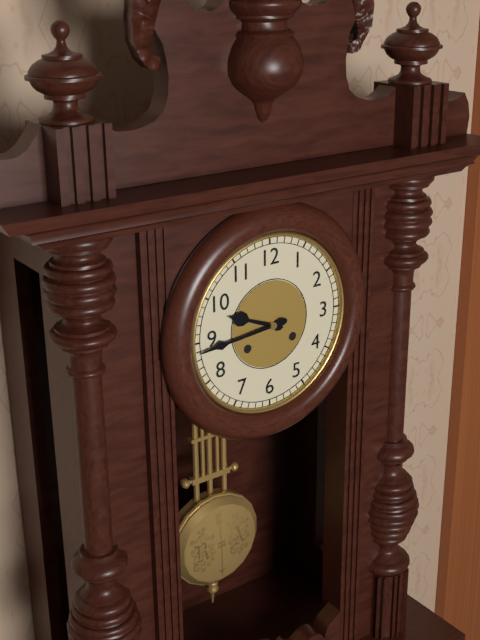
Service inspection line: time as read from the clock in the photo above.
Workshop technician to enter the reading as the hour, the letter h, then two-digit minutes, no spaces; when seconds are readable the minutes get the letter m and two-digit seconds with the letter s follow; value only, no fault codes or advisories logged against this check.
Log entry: 9h44
